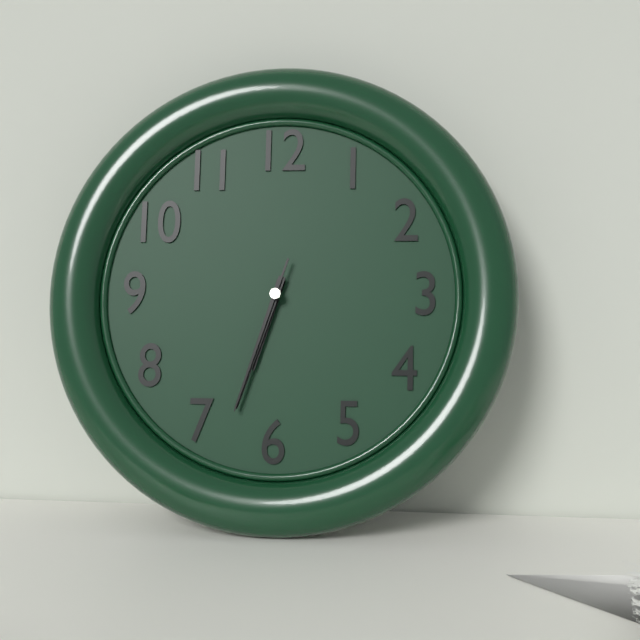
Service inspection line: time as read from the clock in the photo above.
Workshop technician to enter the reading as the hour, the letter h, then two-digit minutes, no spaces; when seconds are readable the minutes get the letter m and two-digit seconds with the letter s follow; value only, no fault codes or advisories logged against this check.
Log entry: 6h33m33s
